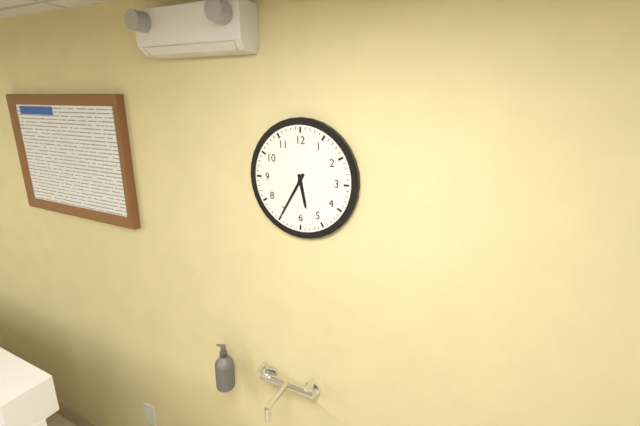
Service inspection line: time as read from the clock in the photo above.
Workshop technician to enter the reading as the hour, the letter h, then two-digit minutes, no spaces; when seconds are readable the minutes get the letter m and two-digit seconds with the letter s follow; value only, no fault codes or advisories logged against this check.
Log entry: 5h35
